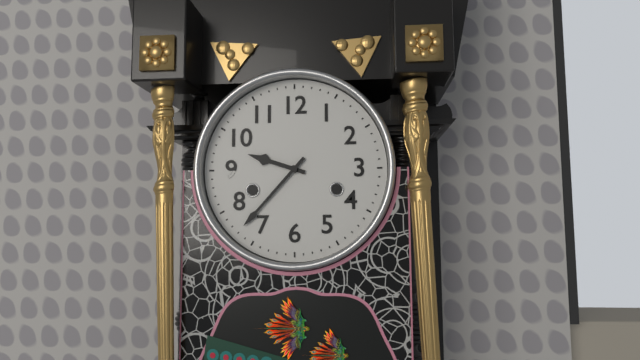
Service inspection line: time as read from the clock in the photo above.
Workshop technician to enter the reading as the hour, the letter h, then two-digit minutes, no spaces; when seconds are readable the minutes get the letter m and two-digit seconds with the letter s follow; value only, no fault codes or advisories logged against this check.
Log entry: 9h37
